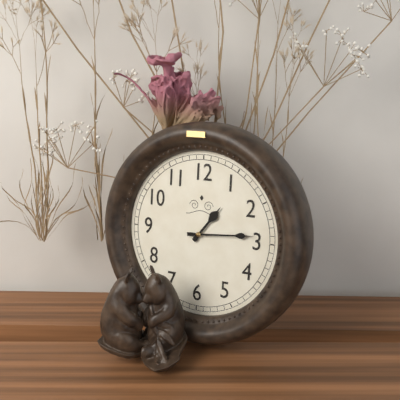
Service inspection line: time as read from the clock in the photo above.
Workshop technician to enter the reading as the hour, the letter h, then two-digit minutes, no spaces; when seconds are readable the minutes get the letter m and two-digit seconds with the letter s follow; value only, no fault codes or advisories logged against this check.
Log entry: 1h14
